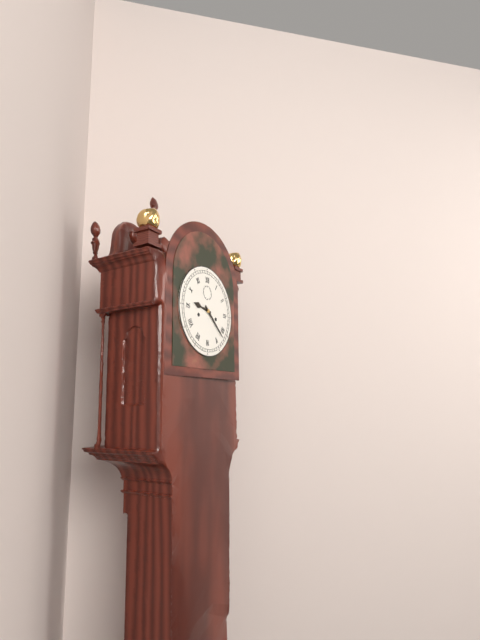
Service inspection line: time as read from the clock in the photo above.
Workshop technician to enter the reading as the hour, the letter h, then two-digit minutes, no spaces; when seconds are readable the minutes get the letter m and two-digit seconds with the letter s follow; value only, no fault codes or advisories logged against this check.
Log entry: 9h22
